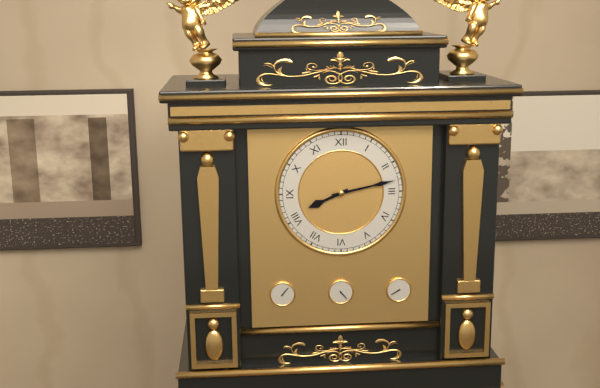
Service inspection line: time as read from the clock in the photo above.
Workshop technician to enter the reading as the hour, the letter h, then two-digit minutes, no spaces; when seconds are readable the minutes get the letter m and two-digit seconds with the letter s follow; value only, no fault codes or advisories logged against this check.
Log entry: 8h13
